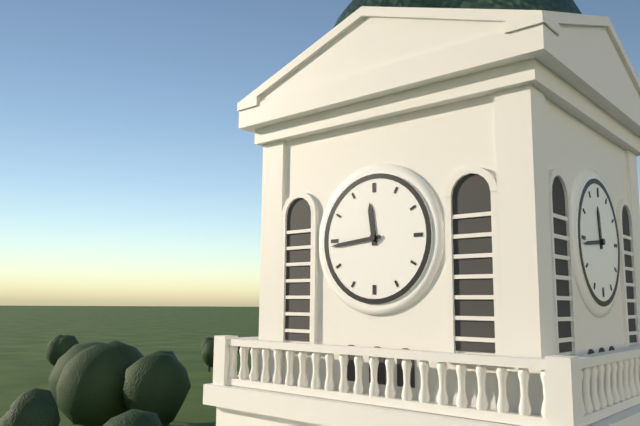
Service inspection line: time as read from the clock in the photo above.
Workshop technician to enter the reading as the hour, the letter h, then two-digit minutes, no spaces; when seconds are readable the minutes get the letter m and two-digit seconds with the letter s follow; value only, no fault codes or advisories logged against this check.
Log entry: 11h44
